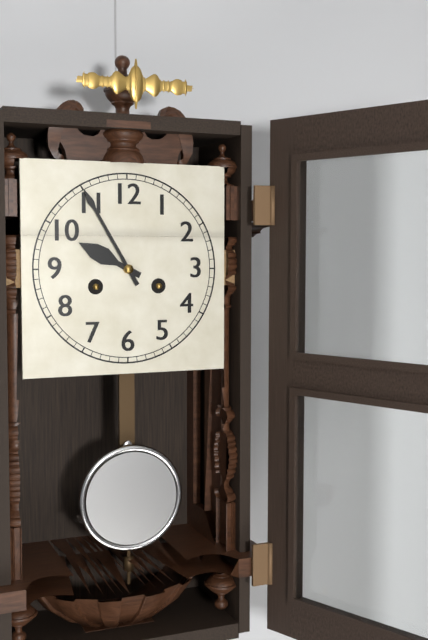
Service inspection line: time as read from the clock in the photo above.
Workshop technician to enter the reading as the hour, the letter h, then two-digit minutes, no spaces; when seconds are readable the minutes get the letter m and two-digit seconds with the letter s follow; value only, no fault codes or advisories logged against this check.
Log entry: 9h55
